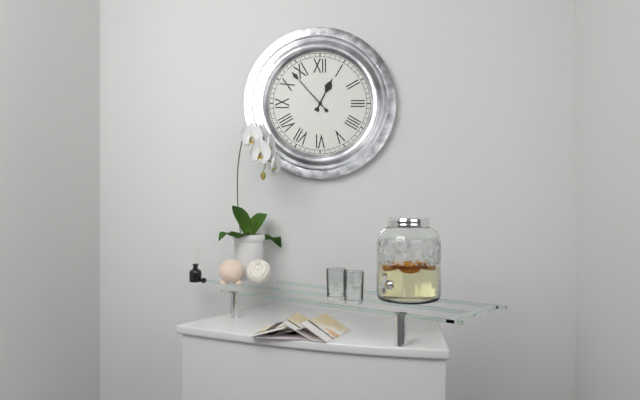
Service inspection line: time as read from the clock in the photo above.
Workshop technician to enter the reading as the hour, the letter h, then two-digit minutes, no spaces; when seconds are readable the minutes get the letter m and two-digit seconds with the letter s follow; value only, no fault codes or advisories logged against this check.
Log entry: 12h53
